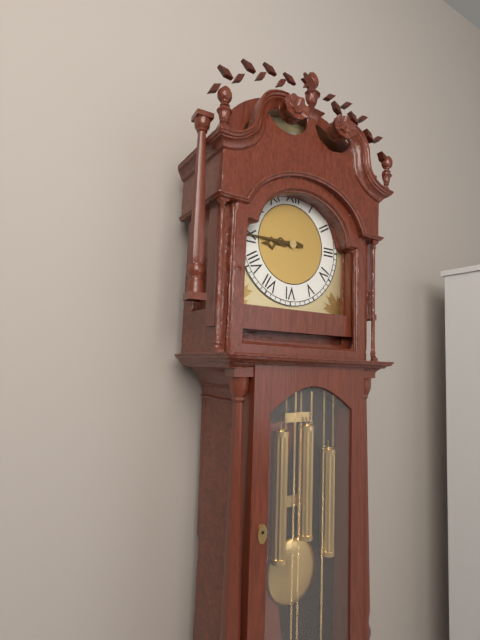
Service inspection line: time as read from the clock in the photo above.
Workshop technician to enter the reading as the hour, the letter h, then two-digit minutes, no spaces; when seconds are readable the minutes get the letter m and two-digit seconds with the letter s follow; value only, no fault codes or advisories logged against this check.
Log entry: 8h45
